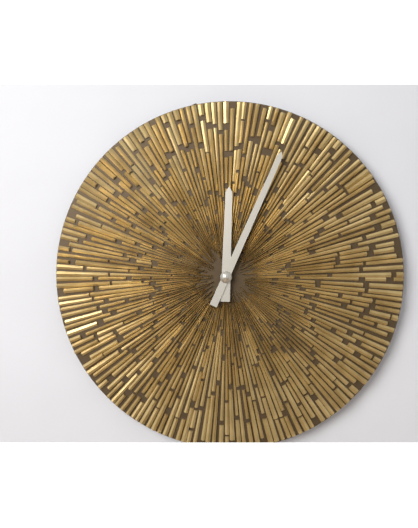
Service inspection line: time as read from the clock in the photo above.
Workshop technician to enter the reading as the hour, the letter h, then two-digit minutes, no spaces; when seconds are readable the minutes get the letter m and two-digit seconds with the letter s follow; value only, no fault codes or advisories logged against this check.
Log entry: 12h04
